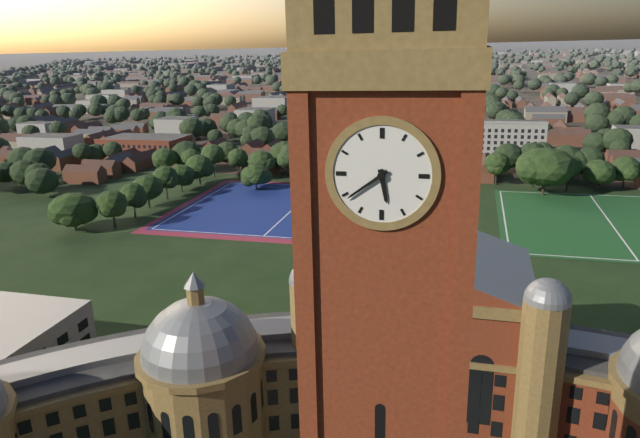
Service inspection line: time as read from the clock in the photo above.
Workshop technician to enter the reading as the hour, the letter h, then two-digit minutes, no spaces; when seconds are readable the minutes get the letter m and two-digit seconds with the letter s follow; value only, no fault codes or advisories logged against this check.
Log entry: 5h39
